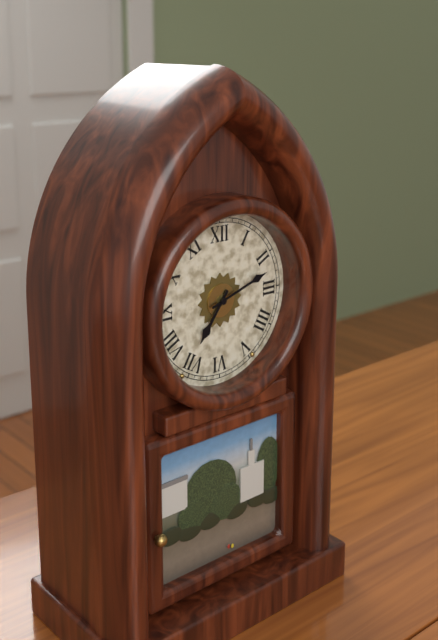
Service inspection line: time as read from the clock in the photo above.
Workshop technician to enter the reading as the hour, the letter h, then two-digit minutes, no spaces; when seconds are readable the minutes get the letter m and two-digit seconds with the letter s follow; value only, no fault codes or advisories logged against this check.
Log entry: 7h12
